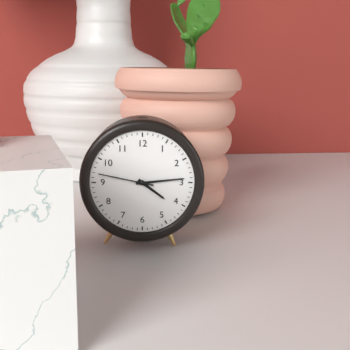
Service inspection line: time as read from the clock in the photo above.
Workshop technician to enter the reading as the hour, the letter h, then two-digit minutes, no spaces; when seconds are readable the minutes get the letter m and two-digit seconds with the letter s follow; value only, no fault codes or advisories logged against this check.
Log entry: 4h14m47s
